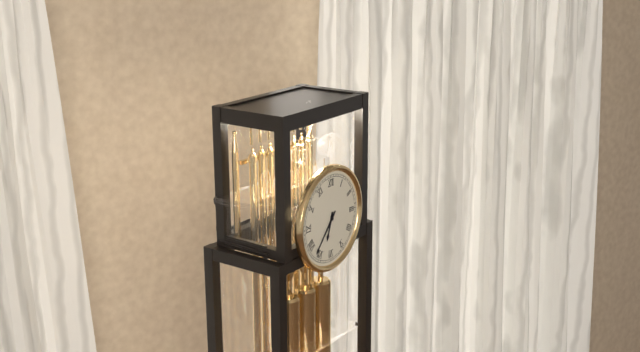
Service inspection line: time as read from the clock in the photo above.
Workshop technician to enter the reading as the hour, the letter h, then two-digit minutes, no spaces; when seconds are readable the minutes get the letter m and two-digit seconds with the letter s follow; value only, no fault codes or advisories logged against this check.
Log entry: 6h37
